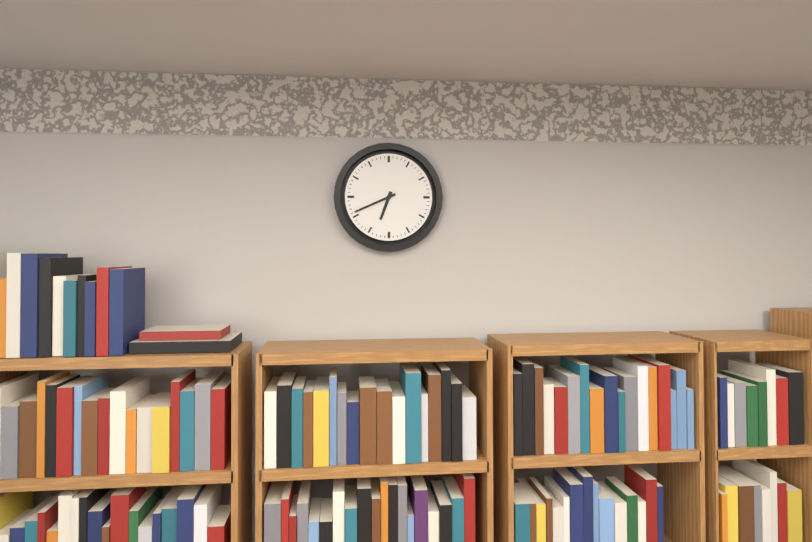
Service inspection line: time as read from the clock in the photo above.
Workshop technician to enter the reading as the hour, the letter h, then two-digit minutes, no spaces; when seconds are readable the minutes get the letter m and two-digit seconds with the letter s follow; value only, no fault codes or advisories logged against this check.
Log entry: 6h41
